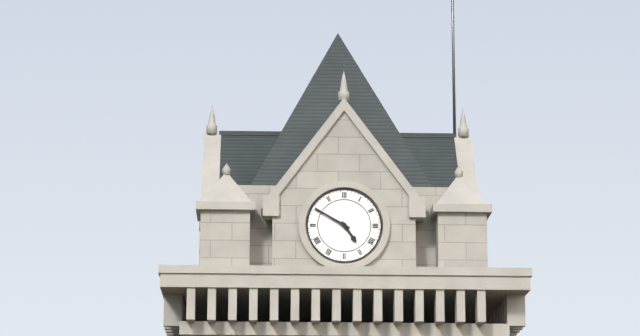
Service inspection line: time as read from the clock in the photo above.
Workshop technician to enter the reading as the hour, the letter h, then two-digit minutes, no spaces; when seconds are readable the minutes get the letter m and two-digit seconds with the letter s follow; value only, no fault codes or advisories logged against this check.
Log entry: 4h50
